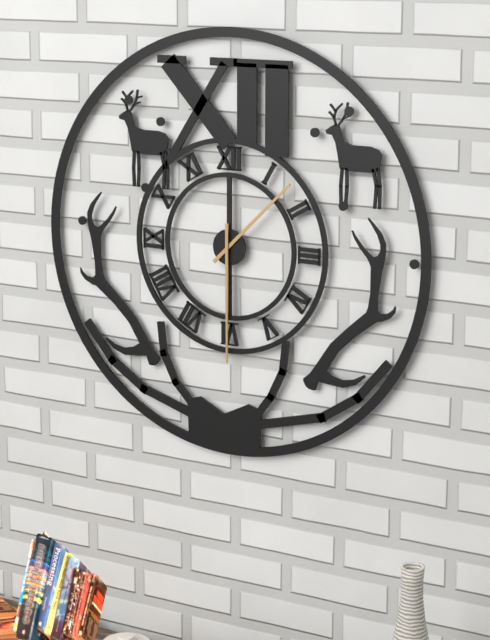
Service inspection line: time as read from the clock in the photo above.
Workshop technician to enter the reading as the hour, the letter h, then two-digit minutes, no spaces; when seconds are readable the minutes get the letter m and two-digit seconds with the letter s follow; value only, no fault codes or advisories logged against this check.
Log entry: 1h30
